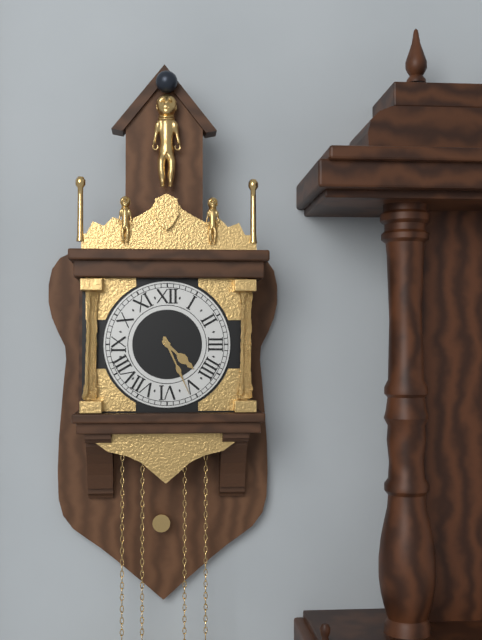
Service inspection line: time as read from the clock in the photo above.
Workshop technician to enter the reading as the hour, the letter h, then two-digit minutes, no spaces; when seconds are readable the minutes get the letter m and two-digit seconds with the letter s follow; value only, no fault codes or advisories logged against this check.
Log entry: 4h26
